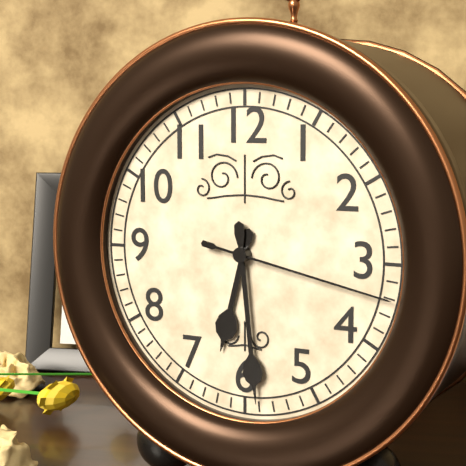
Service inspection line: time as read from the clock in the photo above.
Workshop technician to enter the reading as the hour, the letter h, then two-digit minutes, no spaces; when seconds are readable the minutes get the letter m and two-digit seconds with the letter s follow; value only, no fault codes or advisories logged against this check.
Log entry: 6h29m17s
